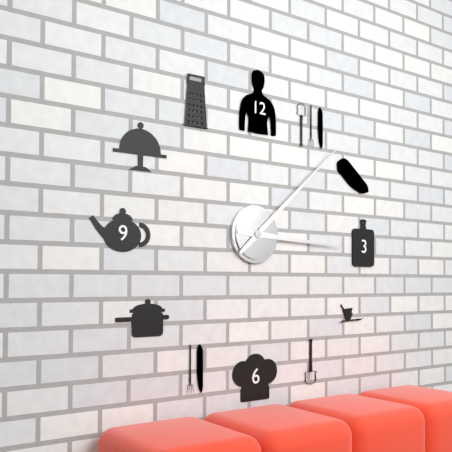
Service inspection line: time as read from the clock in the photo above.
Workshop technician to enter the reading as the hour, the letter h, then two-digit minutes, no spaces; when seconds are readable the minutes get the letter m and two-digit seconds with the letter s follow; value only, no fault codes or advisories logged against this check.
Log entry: 3h08
